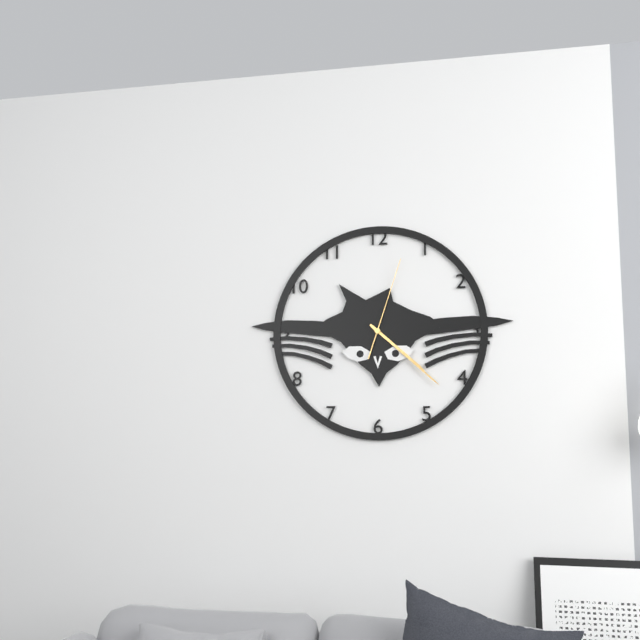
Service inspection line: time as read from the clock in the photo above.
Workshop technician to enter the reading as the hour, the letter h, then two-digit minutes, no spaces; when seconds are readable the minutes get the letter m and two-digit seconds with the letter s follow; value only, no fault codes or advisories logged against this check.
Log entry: 4h22m03s
